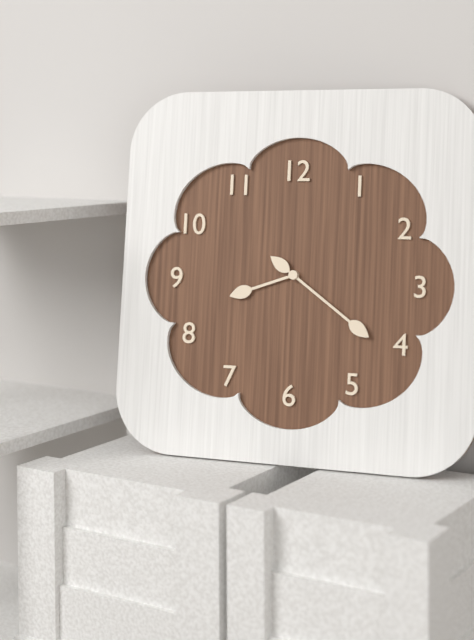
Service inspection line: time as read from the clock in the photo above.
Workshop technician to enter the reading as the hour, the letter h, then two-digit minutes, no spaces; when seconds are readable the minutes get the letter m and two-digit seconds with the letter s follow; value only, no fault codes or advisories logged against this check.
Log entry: 8h21
